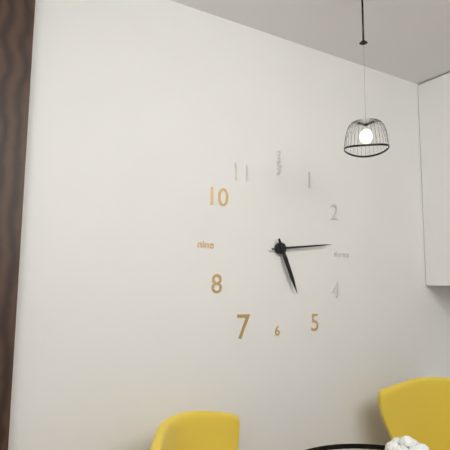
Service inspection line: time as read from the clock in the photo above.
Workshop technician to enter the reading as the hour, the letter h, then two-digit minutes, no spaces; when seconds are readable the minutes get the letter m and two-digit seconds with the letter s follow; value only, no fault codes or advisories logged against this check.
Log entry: 5h14
